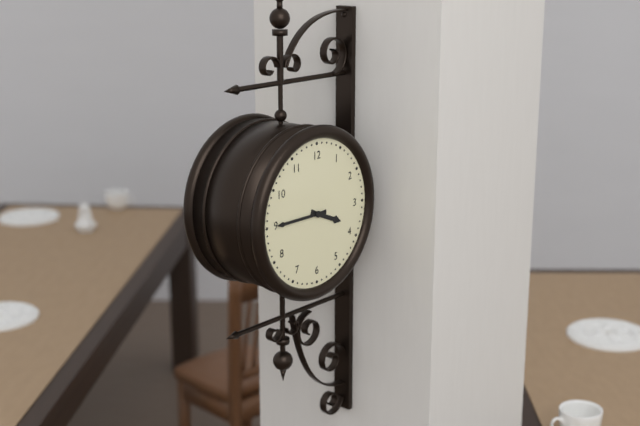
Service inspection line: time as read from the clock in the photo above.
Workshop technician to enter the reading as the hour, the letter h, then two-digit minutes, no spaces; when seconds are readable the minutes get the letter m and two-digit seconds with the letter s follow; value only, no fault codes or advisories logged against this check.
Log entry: 3h45
